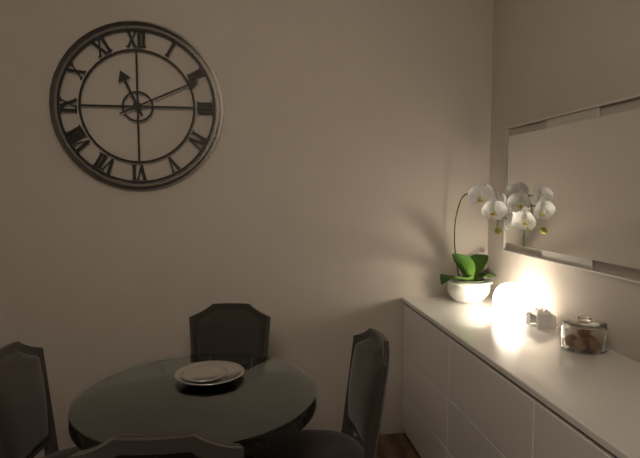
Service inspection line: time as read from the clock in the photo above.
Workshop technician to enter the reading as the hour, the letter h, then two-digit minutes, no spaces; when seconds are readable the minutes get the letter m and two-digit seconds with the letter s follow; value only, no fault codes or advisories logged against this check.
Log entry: 11h11
